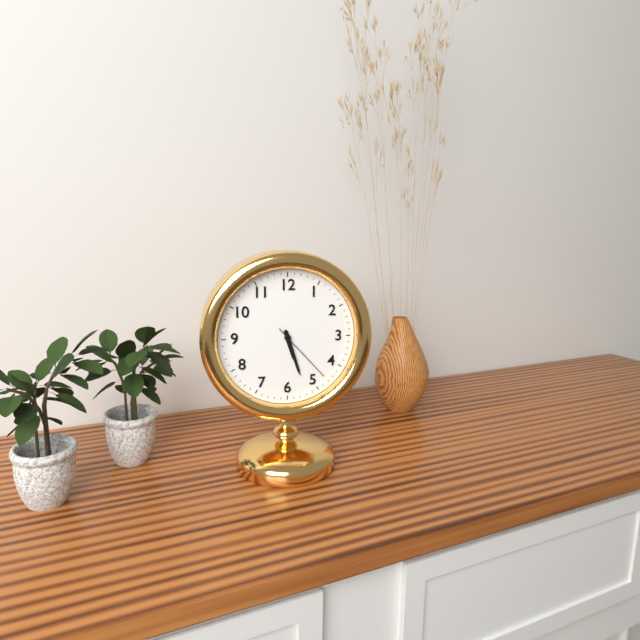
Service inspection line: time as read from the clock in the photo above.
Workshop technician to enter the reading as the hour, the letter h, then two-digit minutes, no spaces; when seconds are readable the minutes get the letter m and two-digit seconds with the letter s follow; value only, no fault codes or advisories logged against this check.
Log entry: 5h27m23s
